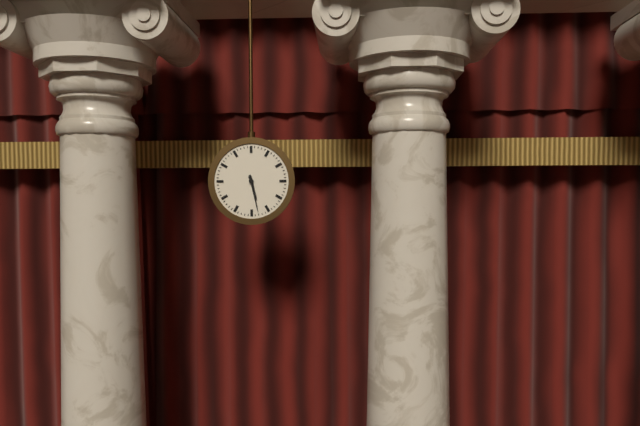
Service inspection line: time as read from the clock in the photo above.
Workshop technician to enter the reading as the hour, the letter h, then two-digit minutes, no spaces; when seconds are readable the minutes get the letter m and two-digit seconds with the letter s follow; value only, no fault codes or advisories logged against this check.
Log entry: 5h28
